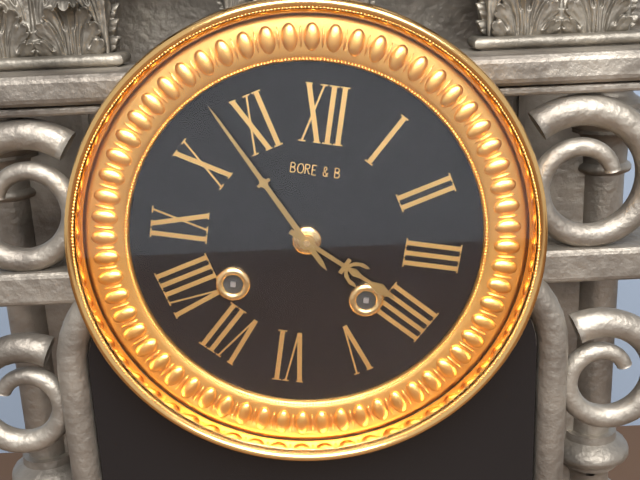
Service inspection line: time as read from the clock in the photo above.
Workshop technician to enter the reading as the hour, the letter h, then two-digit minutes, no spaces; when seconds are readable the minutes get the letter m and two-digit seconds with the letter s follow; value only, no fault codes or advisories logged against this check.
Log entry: 3h53
